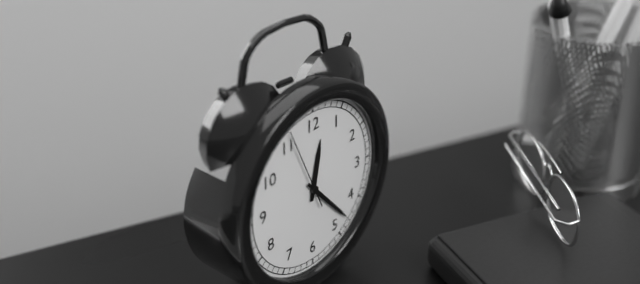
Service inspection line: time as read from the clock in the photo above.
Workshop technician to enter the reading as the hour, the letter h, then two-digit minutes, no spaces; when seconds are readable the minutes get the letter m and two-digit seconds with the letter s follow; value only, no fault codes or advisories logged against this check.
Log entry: 12h23m56s
